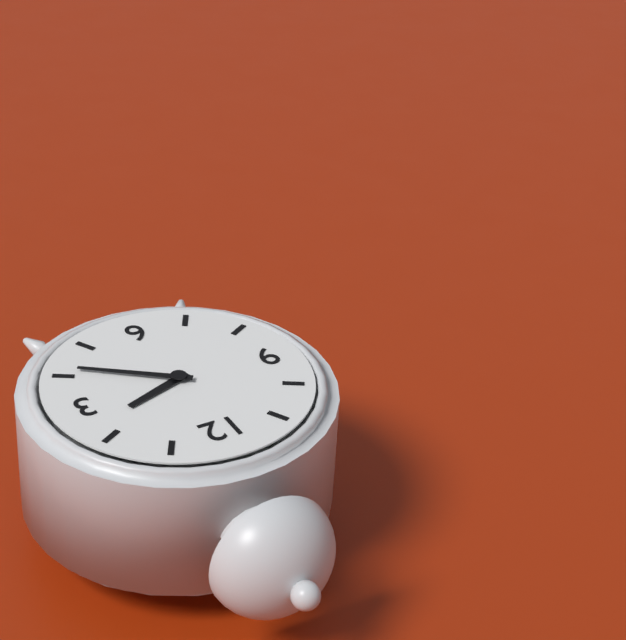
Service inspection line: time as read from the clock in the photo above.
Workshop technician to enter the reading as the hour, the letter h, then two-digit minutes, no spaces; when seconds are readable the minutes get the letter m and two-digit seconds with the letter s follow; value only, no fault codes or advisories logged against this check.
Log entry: 2h21
